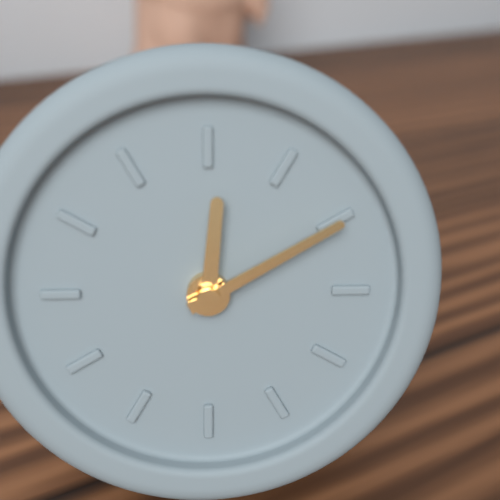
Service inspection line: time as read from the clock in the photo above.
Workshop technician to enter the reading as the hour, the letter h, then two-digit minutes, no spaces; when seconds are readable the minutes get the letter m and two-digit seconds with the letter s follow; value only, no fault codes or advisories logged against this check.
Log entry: 12h10
